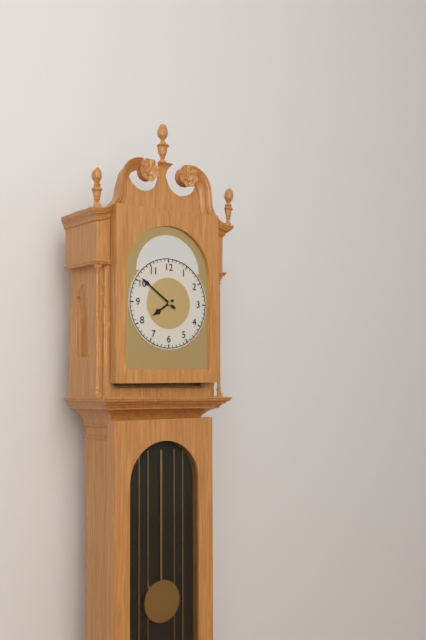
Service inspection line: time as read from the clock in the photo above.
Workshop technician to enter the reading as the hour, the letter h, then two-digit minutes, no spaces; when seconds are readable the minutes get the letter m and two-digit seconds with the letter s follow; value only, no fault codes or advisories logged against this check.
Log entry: 7h51
